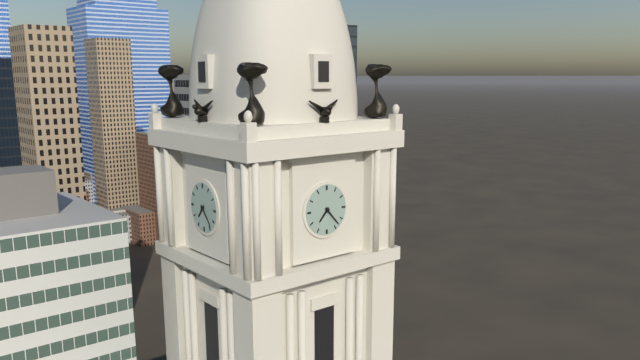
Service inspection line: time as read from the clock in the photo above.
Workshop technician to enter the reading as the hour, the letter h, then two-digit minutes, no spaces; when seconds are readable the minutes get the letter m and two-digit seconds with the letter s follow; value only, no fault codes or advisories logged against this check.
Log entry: 7h23
